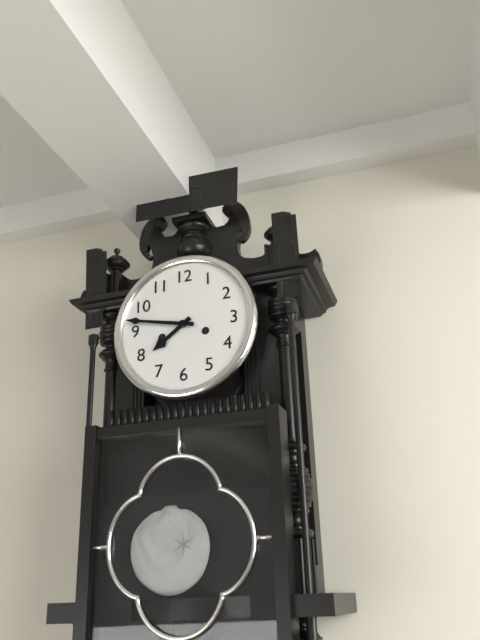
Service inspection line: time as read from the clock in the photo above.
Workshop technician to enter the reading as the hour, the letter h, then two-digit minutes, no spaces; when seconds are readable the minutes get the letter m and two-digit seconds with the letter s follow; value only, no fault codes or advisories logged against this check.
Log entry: 7h47
